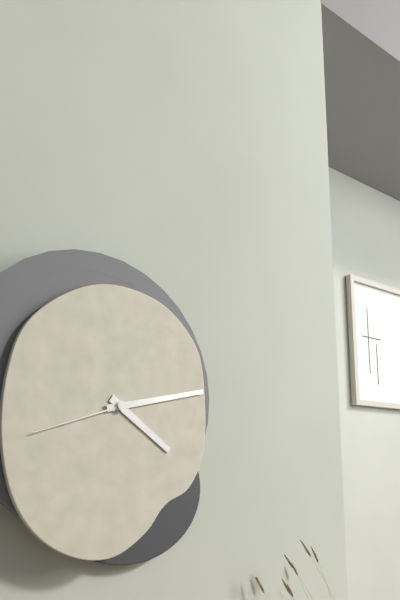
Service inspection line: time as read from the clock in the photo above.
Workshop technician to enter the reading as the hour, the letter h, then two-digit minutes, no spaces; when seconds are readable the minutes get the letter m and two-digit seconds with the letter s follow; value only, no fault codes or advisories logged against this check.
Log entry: 4h13m42s
